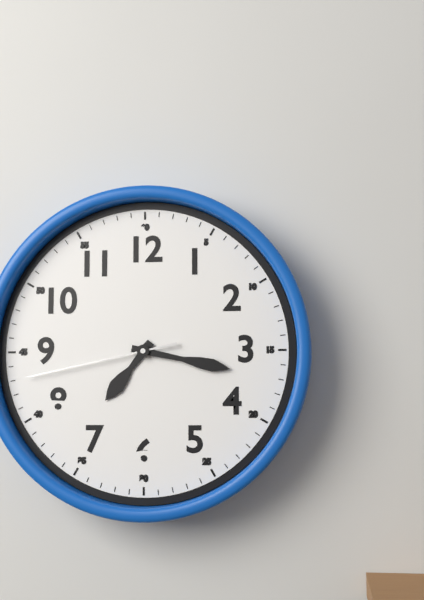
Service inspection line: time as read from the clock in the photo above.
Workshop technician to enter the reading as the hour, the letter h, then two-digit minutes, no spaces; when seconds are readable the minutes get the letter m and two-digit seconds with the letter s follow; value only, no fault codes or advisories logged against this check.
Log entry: 7h17m43s
